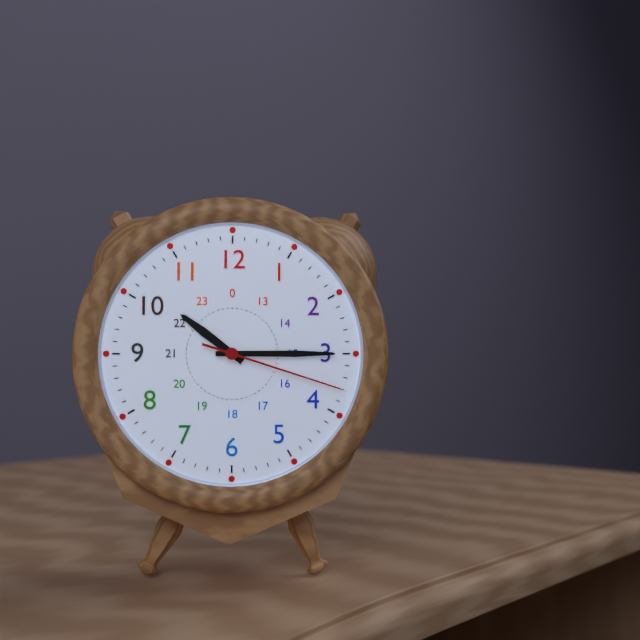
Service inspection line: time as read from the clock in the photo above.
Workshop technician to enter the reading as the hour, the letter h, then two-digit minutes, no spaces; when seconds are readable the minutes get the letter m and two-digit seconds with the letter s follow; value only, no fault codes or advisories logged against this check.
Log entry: 10h15m18s
